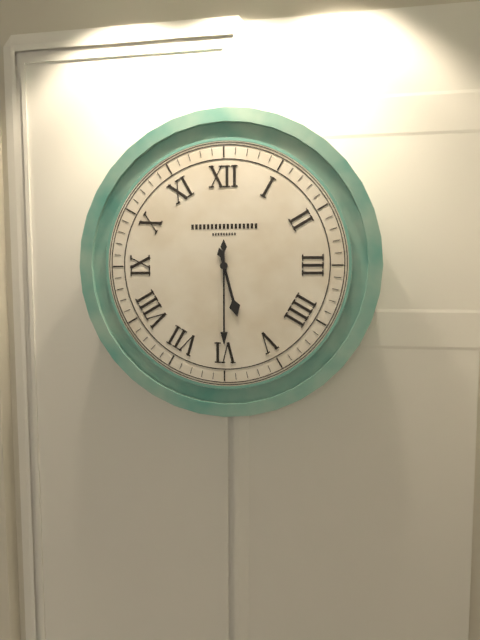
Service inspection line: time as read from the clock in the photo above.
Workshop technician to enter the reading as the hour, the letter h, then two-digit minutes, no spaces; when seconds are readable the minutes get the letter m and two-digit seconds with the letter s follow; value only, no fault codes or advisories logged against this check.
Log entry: 5h30
